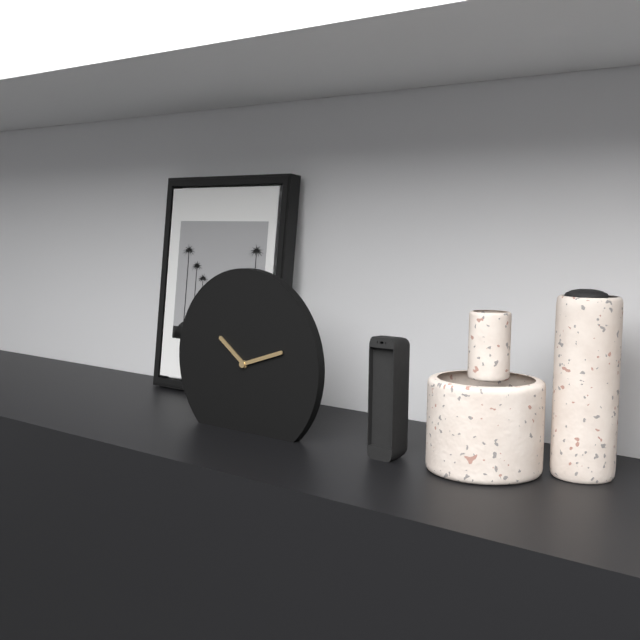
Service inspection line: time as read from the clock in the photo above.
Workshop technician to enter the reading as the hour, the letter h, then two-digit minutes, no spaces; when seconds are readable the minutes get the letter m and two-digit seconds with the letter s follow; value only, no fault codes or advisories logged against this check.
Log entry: 10h12
